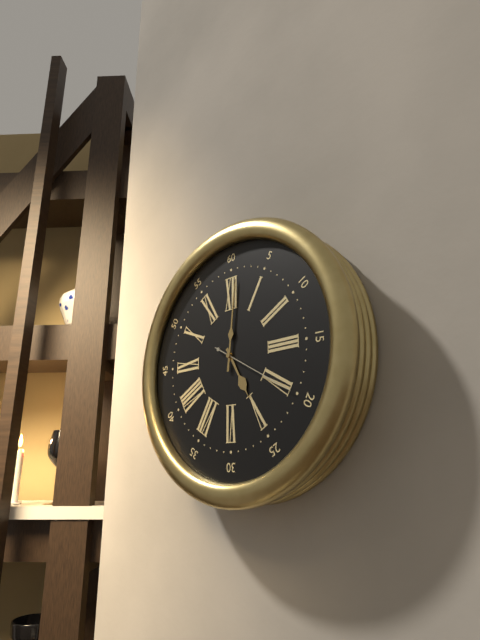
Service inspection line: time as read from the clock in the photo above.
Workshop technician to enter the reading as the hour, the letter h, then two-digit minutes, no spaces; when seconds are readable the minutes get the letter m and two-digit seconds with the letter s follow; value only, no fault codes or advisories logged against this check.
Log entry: 5h01m20s
